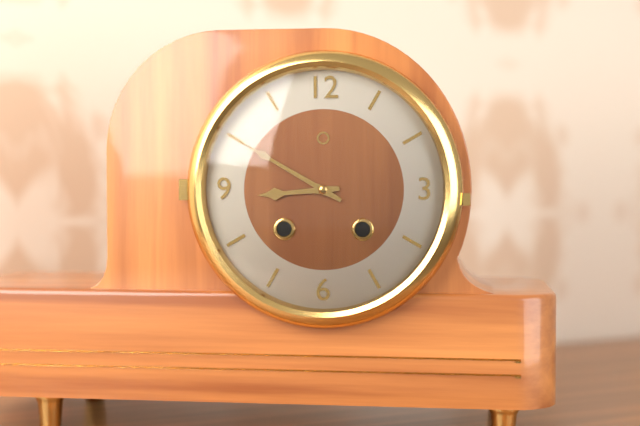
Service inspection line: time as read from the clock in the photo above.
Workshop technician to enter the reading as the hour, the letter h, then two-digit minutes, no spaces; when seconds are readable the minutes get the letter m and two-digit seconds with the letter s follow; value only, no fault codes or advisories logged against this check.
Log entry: 8h50
